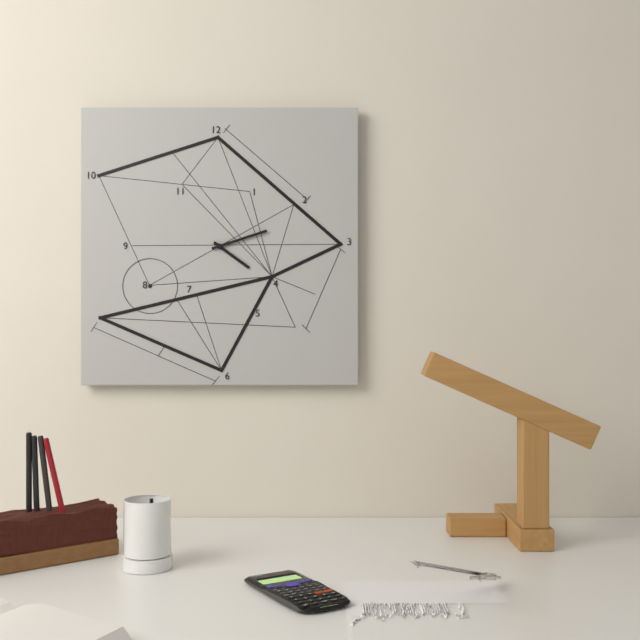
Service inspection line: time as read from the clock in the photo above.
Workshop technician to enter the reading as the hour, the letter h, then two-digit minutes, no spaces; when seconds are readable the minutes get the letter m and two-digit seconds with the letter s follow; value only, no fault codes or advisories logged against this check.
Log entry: 4h12
